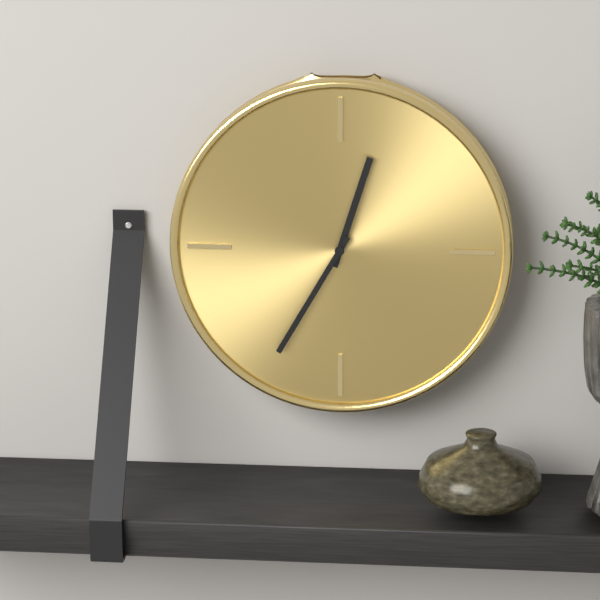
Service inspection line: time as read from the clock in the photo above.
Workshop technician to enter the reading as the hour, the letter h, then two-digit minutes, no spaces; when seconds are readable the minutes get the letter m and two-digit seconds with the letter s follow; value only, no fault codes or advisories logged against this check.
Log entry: 12h35
